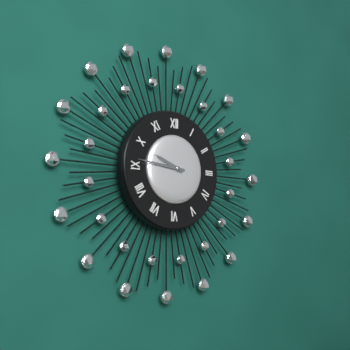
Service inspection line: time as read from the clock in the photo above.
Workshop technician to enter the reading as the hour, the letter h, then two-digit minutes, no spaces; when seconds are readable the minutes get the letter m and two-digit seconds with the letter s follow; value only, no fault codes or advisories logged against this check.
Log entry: 9h46
